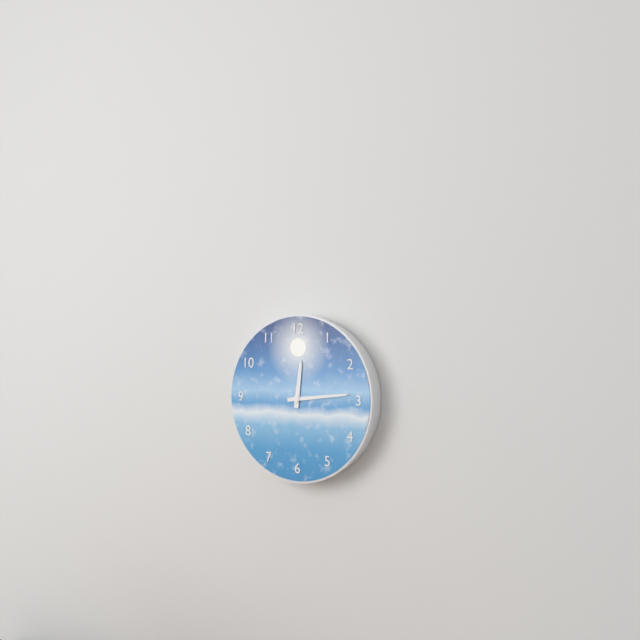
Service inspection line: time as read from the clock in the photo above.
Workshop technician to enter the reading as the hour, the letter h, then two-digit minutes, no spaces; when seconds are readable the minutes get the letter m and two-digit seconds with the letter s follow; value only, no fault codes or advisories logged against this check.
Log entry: 12h14
